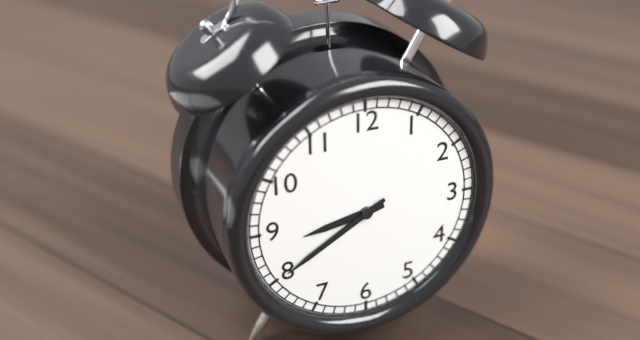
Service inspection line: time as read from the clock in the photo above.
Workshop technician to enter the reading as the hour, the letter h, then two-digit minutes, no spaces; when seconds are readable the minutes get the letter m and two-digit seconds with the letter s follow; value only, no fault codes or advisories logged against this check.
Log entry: 8h40
